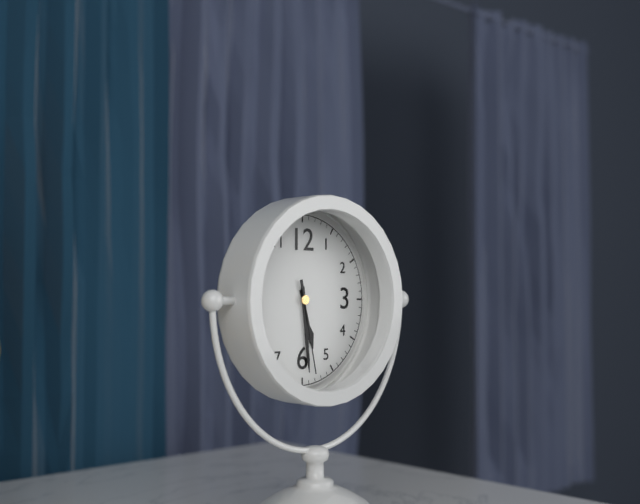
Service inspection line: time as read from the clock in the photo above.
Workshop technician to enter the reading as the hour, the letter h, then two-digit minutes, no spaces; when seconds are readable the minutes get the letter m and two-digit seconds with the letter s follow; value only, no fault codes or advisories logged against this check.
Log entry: 5h29m28s
